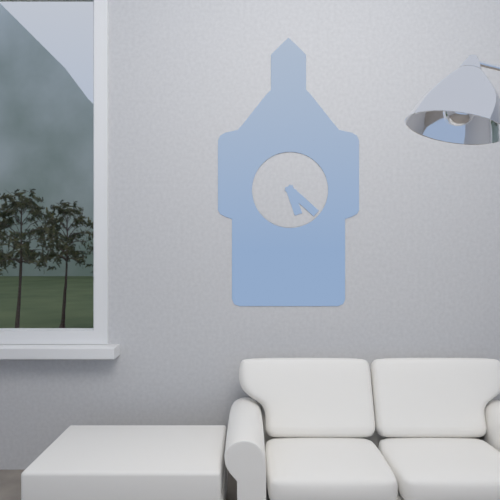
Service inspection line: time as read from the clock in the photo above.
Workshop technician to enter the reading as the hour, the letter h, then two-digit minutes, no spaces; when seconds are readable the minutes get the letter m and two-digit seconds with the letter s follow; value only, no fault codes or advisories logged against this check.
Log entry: 5h22
